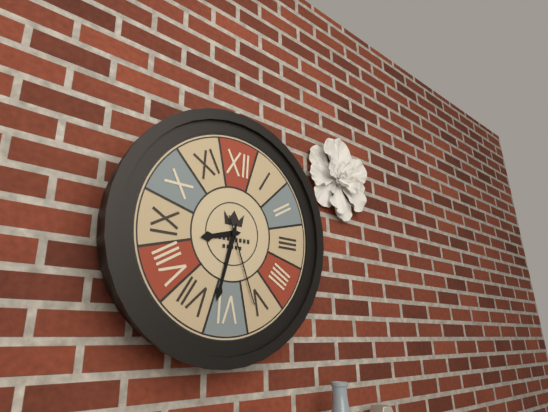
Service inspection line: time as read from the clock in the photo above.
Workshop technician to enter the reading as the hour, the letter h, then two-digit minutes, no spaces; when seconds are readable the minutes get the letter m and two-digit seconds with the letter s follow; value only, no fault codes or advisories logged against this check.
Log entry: 8h32m26s
